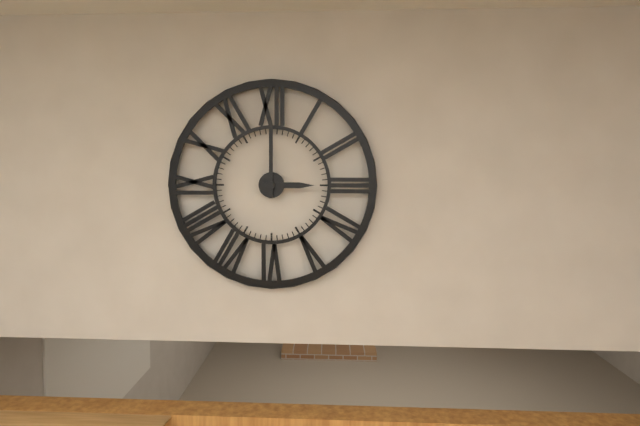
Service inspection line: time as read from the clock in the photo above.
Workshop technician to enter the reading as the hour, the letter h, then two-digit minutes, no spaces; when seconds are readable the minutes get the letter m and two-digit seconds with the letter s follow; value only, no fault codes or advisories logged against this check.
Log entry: 3h00
